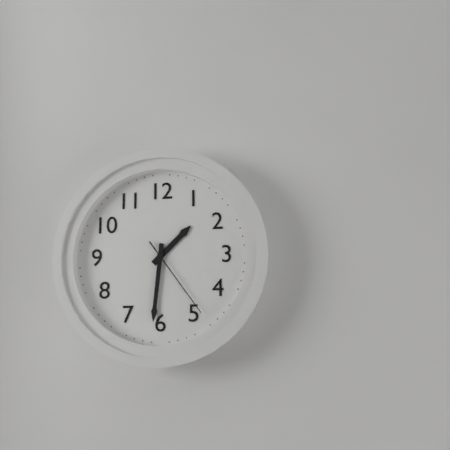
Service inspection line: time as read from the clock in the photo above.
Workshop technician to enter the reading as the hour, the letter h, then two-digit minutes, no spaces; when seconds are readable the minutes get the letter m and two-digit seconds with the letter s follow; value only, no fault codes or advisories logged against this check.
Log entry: 1h31m24s
